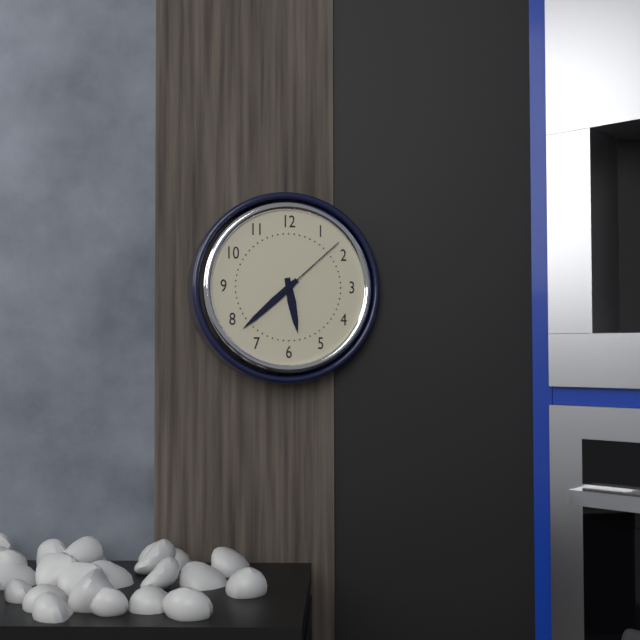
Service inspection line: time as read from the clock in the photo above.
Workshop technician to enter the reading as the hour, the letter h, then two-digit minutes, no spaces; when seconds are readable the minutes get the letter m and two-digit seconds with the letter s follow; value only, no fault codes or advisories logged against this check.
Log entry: 5h38m08s
